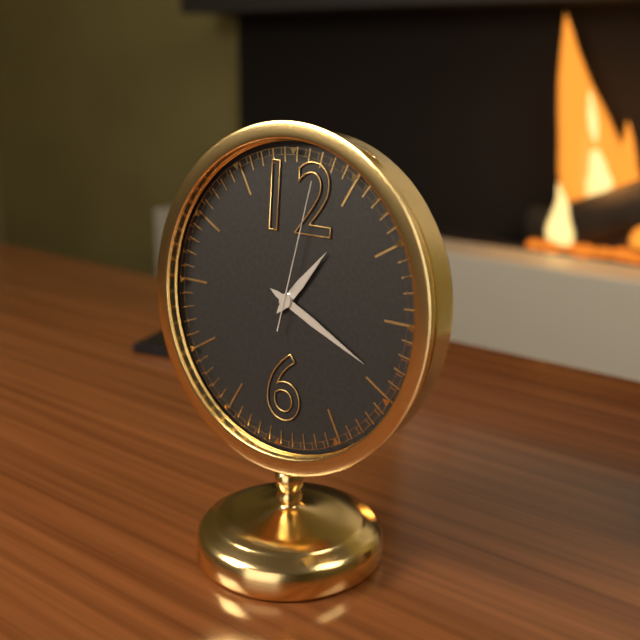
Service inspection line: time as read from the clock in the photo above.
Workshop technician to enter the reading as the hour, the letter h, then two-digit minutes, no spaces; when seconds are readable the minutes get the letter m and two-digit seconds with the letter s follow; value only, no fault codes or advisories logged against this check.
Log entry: 1h19m02s
